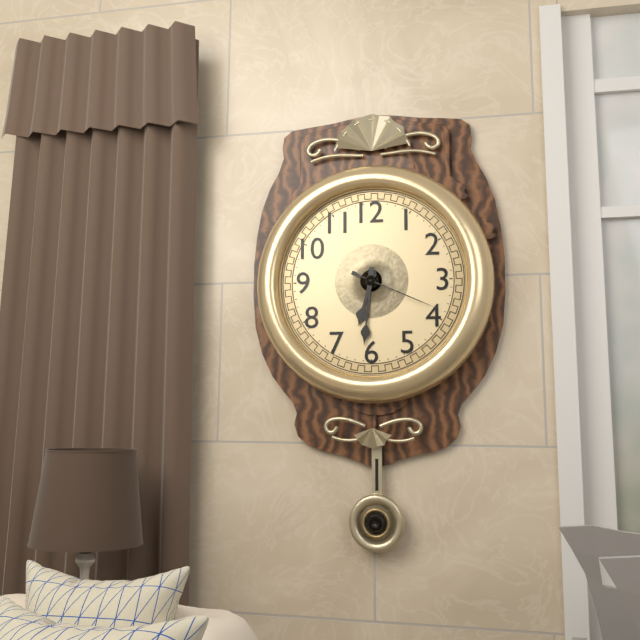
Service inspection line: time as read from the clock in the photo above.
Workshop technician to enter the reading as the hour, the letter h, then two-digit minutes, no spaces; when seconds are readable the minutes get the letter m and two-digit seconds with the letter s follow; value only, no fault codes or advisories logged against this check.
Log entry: 6h31m19s
